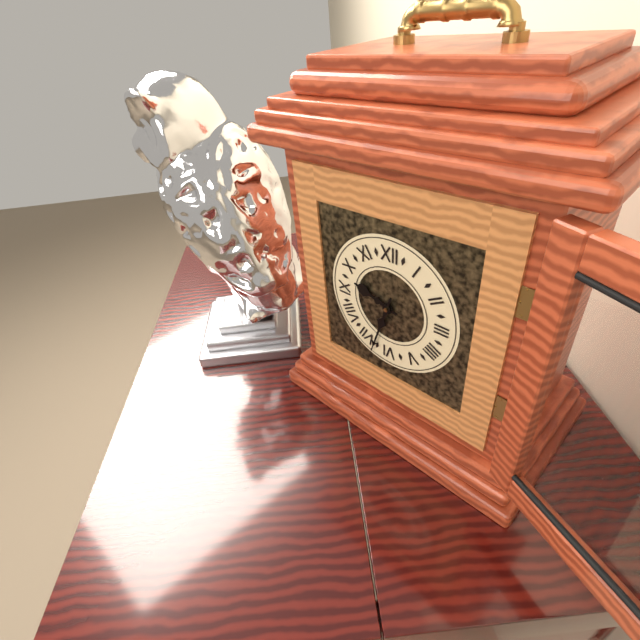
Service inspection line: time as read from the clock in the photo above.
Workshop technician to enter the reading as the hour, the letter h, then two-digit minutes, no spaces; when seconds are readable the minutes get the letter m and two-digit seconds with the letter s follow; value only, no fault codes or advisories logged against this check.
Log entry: 9h33
